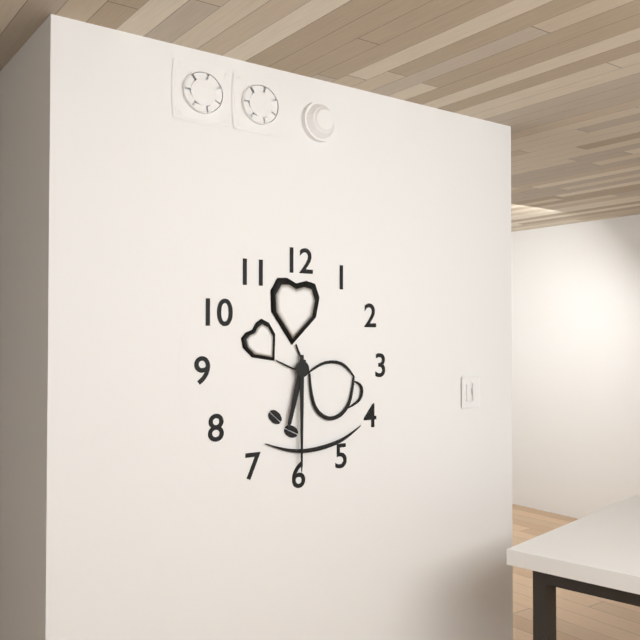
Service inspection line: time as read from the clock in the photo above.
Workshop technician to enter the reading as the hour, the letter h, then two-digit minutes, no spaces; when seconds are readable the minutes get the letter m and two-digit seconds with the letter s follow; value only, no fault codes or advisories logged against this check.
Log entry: 6h30
